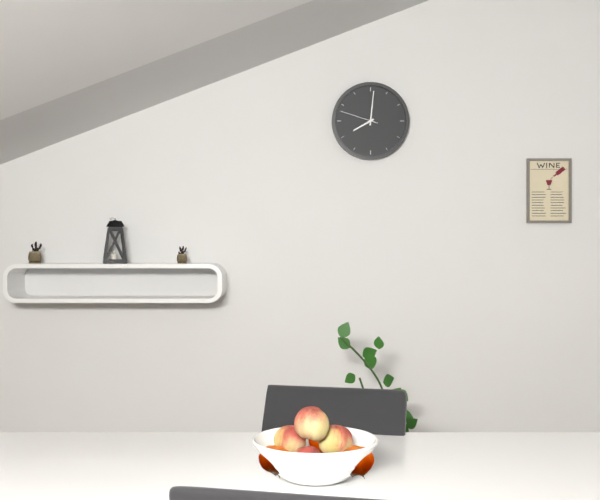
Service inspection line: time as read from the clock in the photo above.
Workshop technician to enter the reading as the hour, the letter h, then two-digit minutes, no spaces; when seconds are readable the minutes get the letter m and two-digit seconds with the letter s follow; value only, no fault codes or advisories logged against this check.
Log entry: 8h01
